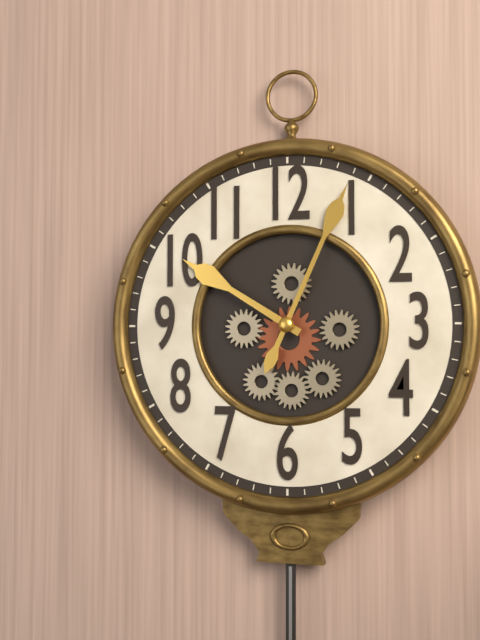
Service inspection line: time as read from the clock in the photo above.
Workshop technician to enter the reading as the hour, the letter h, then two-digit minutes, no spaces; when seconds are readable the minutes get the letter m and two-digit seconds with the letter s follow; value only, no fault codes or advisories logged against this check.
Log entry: 10h04
